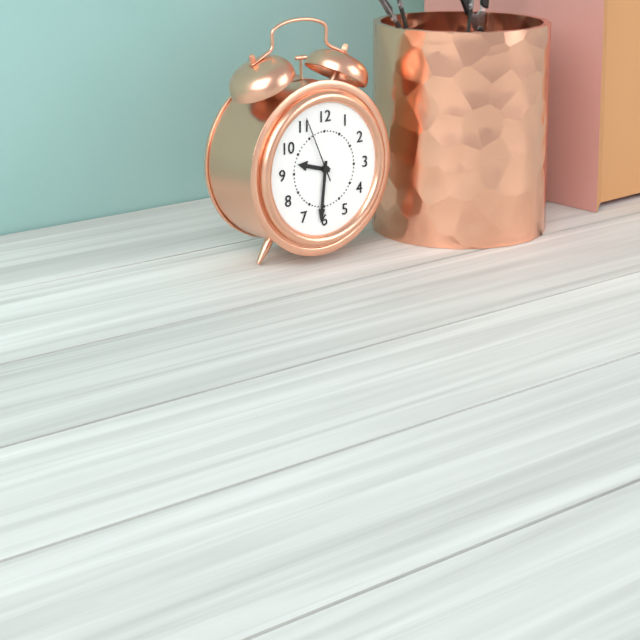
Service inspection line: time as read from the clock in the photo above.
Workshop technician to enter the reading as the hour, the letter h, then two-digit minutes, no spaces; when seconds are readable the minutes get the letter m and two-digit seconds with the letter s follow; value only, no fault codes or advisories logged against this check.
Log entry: 9h31m56s
